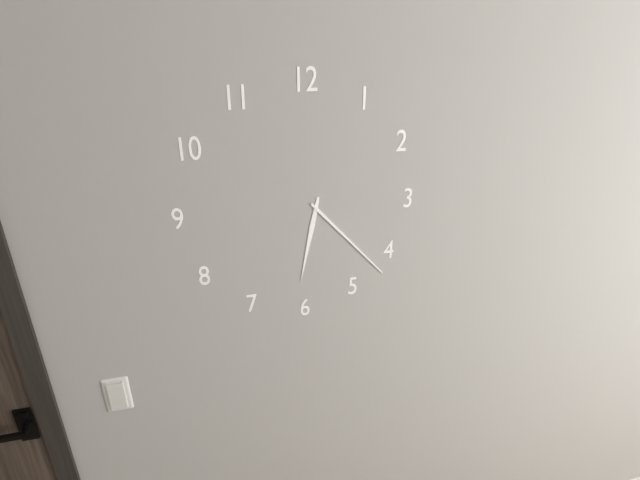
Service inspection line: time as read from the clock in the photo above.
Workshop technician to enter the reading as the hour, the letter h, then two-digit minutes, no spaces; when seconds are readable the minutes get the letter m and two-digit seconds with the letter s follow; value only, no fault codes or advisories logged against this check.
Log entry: 6h23
